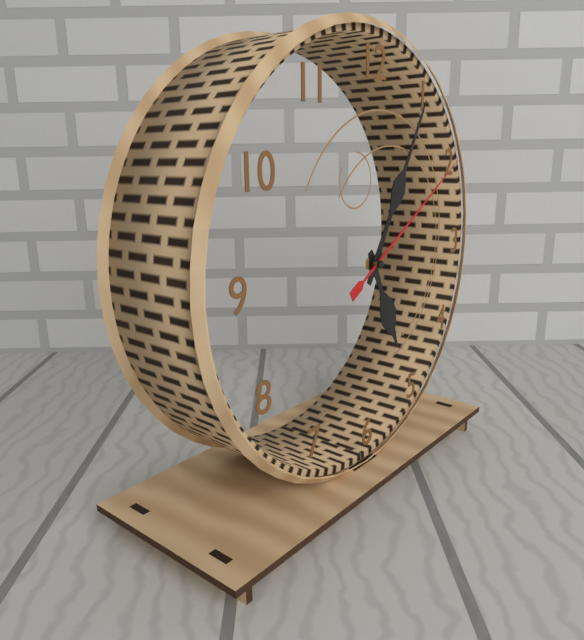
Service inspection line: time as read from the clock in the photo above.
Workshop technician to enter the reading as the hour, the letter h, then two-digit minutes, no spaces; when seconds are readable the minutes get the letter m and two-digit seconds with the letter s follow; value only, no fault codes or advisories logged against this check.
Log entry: 5h05m10s
